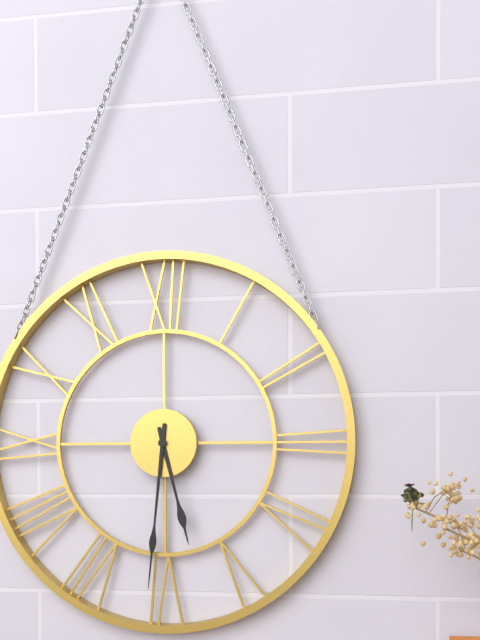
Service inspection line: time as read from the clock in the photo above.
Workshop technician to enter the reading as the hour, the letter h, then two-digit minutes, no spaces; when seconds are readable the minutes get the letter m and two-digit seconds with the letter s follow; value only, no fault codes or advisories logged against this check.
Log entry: 5h31
